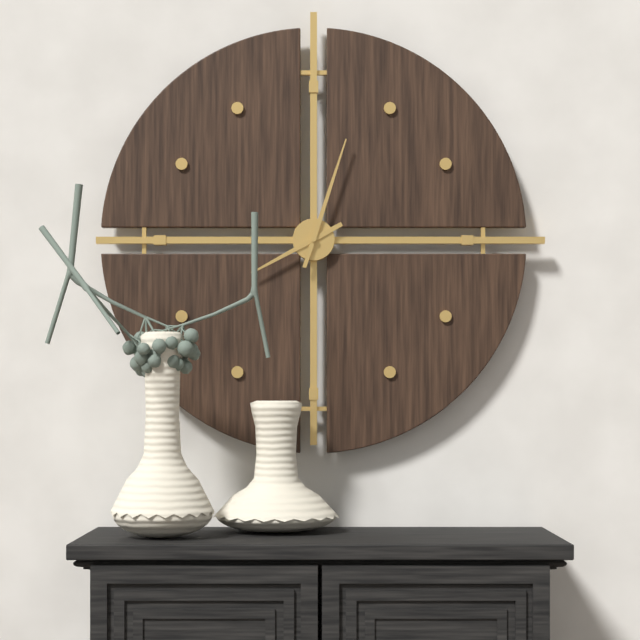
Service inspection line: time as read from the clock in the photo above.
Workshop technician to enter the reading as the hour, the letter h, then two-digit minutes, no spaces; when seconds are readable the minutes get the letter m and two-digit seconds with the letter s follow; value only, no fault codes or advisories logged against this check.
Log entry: 8h03
